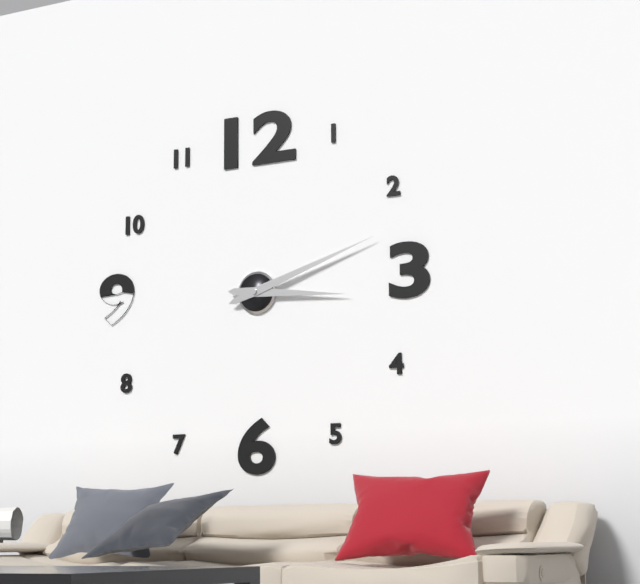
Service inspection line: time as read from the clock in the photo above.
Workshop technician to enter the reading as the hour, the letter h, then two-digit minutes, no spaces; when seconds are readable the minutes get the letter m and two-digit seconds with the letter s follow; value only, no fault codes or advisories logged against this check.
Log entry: 3h12
